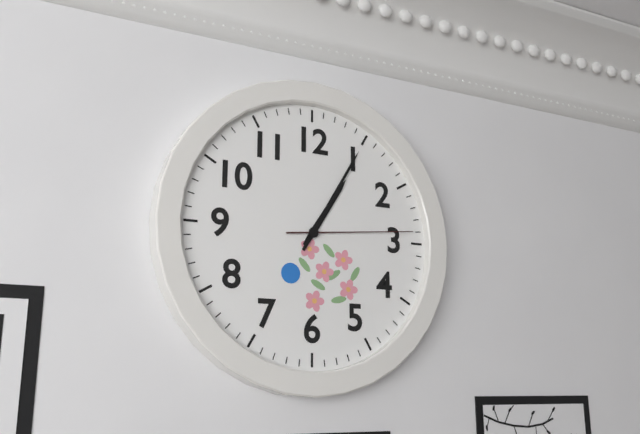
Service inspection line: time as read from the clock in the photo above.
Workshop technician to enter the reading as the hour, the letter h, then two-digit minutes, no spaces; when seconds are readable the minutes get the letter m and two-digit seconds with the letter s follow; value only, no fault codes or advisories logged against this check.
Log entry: 1h05m14s
